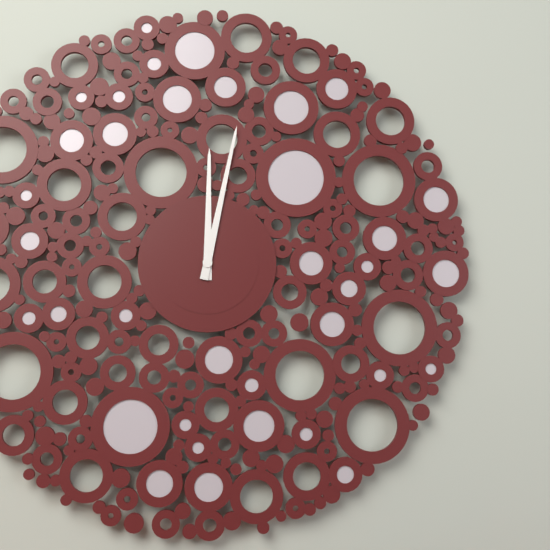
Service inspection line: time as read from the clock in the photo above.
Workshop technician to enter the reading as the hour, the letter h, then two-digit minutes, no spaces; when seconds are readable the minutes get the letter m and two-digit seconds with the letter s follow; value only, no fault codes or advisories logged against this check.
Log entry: 12h02
